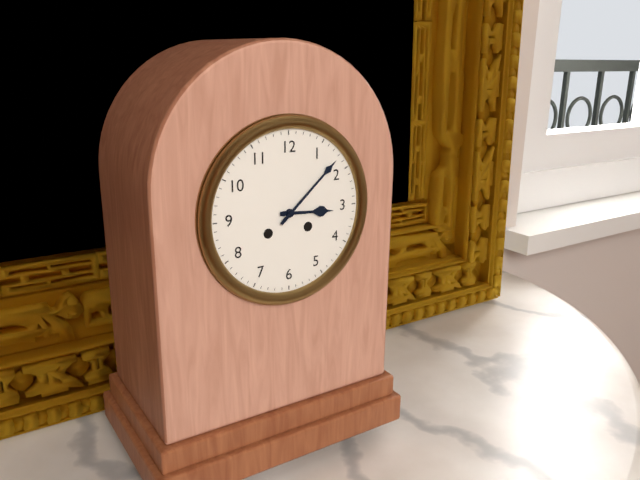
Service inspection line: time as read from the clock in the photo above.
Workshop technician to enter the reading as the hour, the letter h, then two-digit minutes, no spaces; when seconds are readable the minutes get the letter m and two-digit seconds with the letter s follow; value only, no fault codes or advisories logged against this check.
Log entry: 3h08
